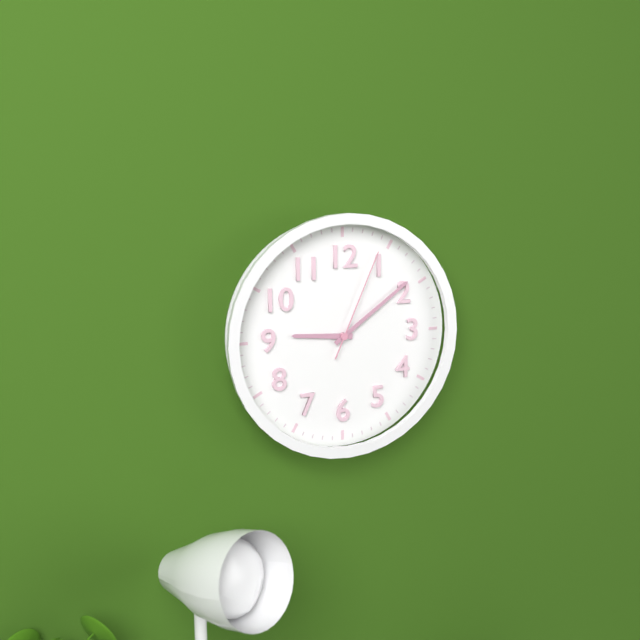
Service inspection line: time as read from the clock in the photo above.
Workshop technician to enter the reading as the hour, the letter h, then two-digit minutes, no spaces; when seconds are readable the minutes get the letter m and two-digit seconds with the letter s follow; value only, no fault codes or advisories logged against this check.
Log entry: 9h09m04s
